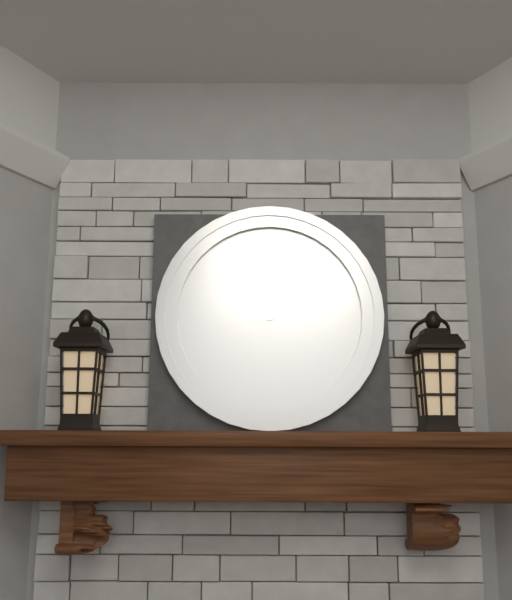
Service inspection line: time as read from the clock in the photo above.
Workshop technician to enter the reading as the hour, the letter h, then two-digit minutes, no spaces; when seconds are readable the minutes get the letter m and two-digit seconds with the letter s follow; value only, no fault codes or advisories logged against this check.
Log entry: 11h07
